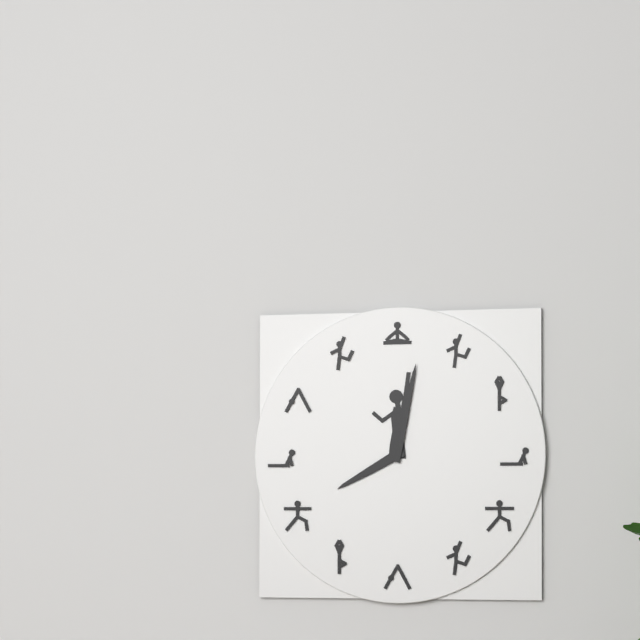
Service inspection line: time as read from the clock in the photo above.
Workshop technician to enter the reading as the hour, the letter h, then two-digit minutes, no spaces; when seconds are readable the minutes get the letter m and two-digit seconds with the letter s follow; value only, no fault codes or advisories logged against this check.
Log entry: 8h02
